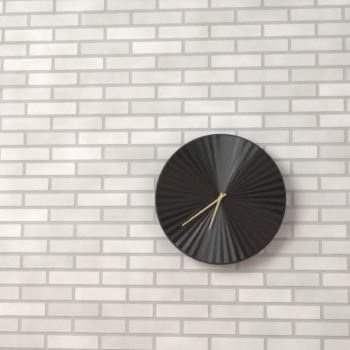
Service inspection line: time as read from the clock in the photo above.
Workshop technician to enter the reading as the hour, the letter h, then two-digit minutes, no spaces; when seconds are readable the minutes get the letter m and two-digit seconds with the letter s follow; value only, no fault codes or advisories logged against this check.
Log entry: 6h39
